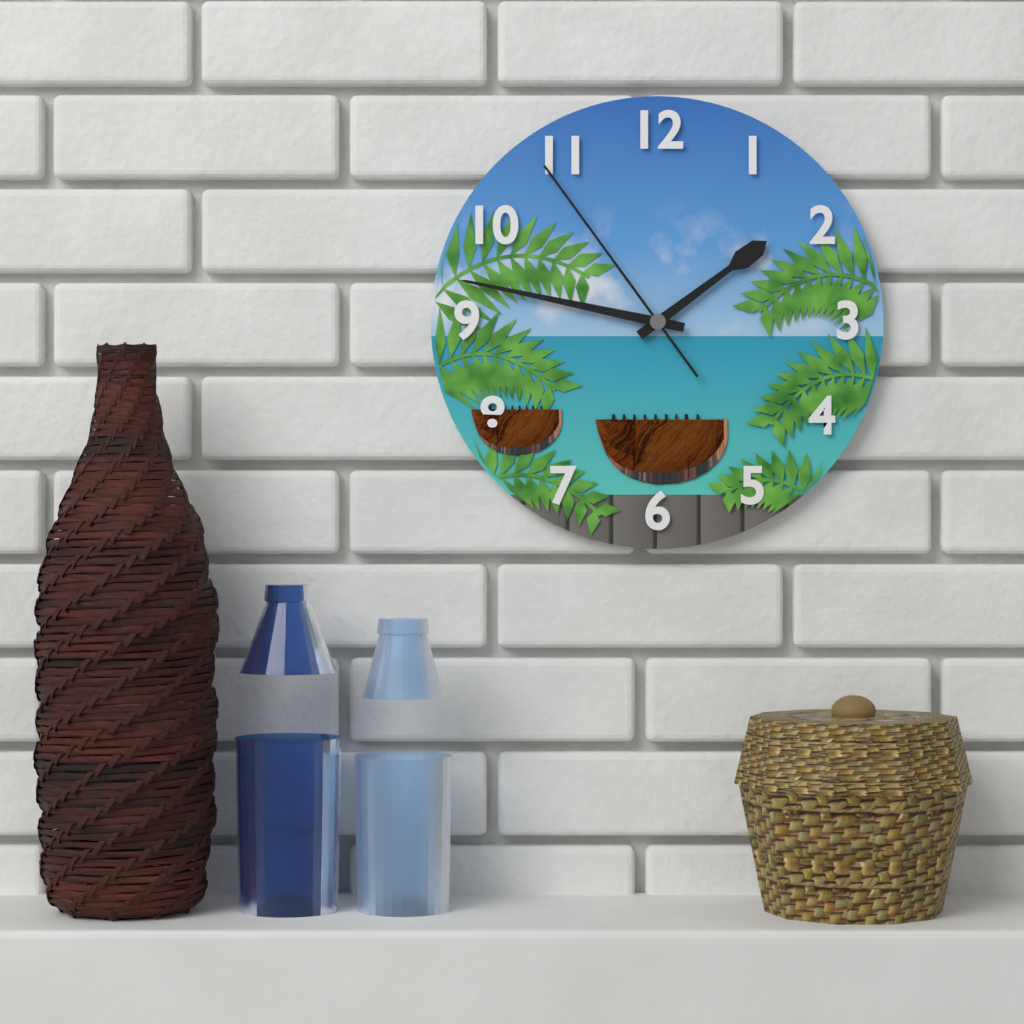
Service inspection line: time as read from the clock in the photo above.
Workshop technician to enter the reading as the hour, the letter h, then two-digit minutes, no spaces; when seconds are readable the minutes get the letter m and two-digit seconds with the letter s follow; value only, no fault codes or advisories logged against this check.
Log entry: 1h47m54s
